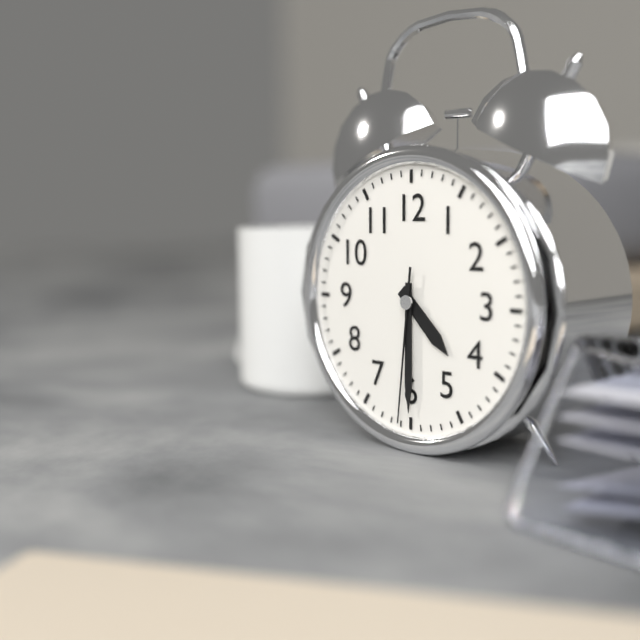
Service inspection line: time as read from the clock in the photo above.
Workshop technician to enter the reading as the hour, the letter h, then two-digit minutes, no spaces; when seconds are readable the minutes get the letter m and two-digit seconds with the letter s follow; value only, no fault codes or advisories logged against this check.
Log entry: 4h30m31s
